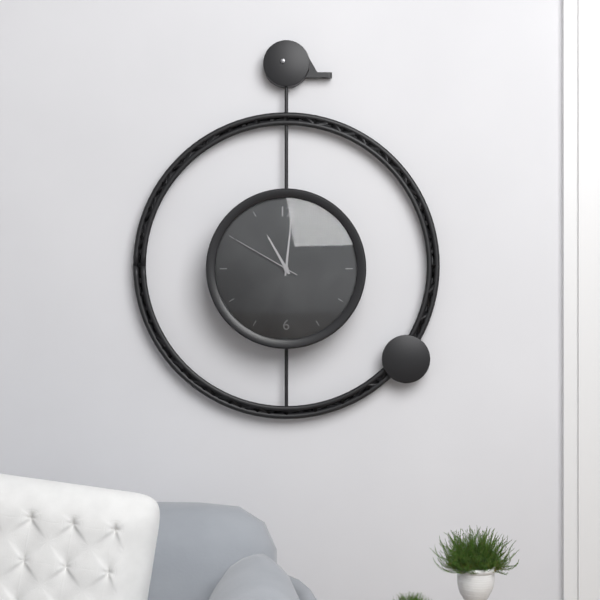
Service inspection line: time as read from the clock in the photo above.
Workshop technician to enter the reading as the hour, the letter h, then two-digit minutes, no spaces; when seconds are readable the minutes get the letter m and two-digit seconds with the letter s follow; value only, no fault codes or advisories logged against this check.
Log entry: 11h01m50s
